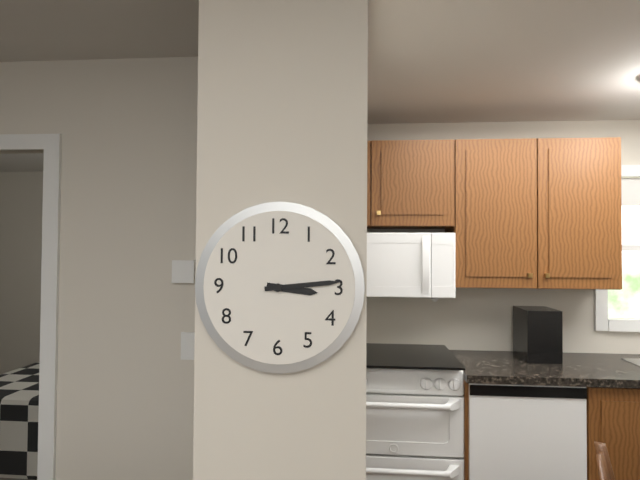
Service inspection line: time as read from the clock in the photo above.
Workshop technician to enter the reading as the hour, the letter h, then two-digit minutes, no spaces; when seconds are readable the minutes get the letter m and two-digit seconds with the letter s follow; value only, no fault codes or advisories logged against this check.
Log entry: 3h14
